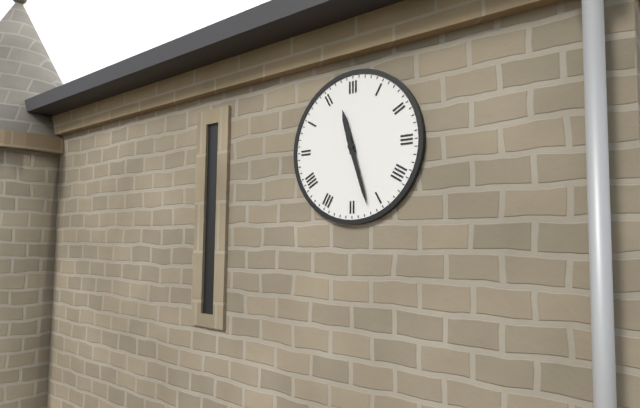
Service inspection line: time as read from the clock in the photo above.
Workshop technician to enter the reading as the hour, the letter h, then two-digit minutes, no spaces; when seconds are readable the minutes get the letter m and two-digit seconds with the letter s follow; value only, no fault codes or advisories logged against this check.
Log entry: 11h27
